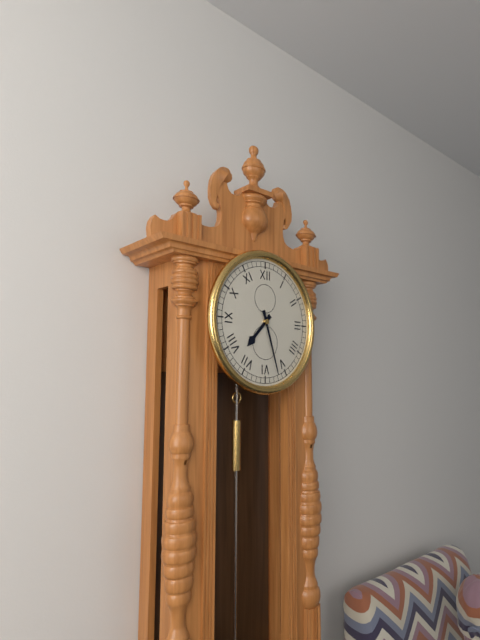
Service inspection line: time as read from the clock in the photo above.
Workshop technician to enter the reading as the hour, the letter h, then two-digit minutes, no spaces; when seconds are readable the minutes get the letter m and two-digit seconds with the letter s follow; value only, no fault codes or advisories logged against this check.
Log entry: 7h27
